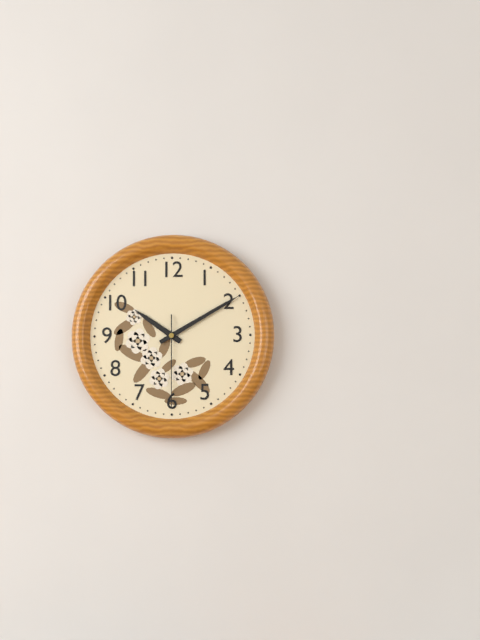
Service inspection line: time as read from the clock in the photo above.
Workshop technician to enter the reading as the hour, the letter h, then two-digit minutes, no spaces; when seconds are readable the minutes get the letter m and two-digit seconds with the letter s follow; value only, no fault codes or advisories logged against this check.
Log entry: 10h10m30s
